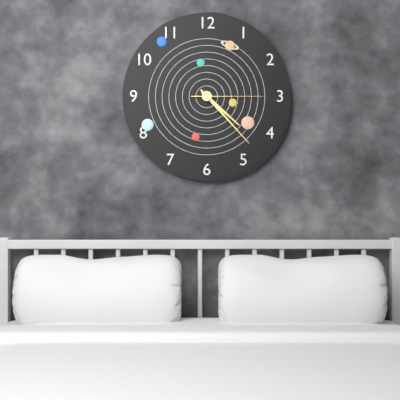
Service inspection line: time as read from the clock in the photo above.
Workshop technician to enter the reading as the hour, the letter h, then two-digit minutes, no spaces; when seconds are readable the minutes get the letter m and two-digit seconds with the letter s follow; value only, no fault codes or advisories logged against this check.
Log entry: 4h23m15s
